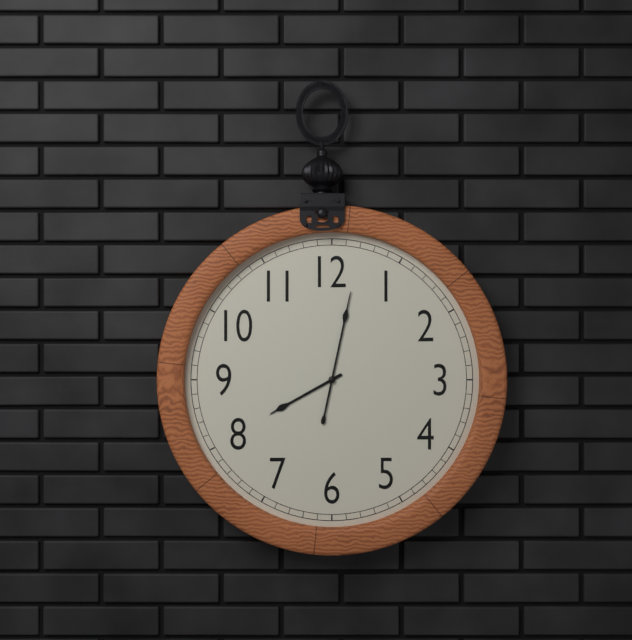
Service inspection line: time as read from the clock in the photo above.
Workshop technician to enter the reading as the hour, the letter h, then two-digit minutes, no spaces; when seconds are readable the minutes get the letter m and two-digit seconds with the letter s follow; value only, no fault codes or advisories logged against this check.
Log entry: 8h02
